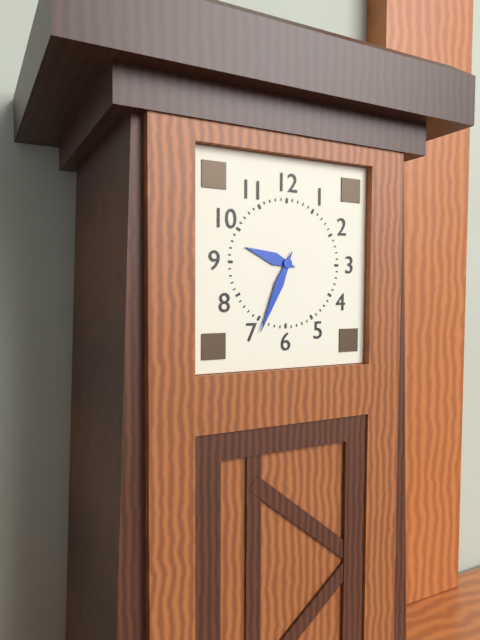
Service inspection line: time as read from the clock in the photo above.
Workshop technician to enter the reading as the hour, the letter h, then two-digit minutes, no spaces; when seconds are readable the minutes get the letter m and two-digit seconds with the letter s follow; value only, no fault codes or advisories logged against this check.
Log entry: 9h34
